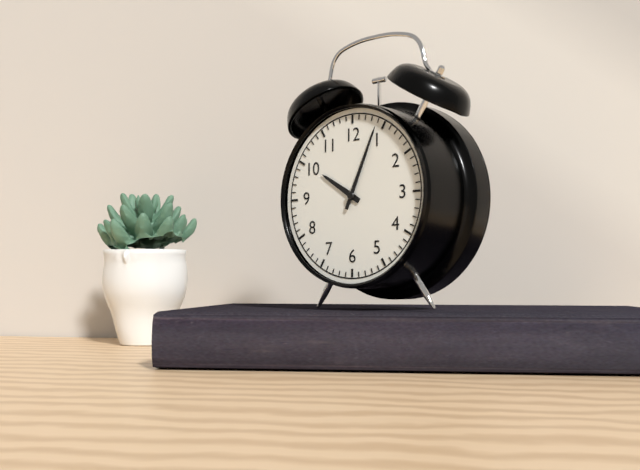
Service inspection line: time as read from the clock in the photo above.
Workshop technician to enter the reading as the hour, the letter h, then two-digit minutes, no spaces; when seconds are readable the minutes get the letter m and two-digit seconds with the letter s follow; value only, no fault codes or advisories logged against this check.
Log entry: 10h04
